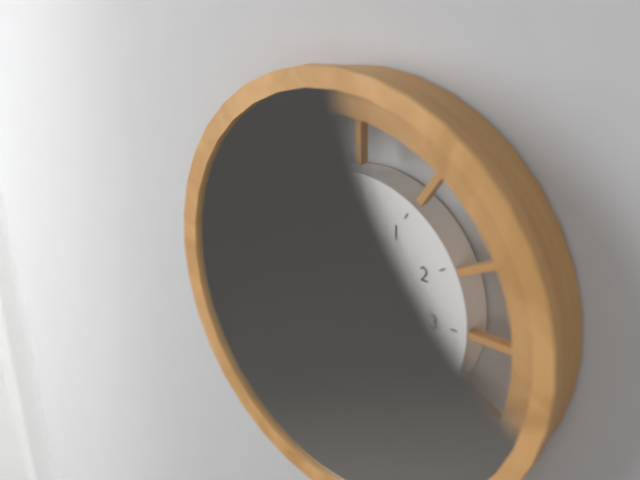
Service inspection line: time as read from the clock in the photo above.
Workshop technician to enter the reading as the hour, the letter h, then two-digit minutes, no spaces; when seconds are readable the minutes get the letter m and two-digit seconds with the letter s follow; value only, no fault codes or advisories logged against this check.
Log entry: 7h46
